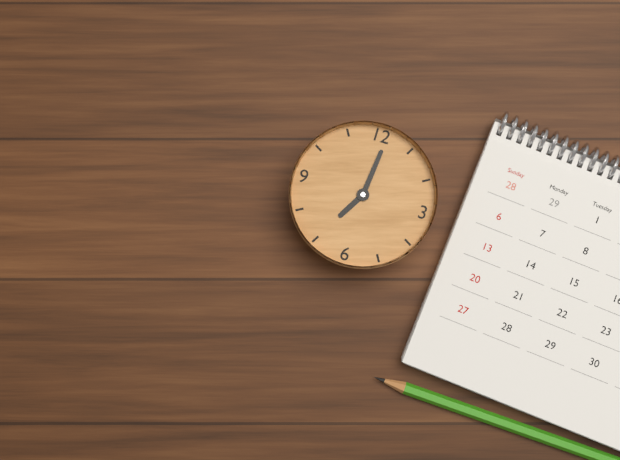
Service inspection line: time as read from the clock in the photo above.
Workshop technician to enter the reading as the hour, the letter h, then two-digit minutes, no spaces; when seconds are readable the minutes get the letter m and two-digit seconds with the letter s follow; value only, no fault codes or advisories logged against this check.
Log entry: 7h01
